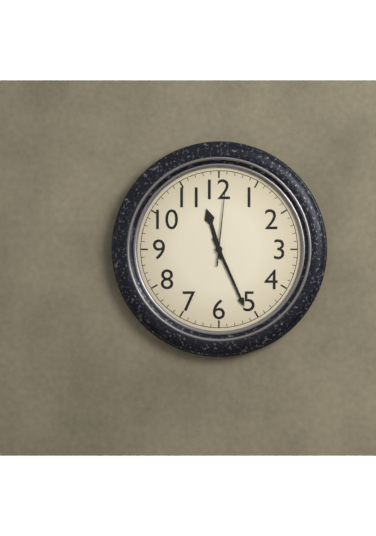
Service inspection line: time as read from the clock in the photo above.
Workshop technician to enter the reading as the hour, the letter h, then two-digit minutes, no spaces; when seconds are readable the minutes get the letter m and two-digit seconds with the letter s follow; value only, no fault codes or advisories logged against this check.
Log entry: 11h26m01s
